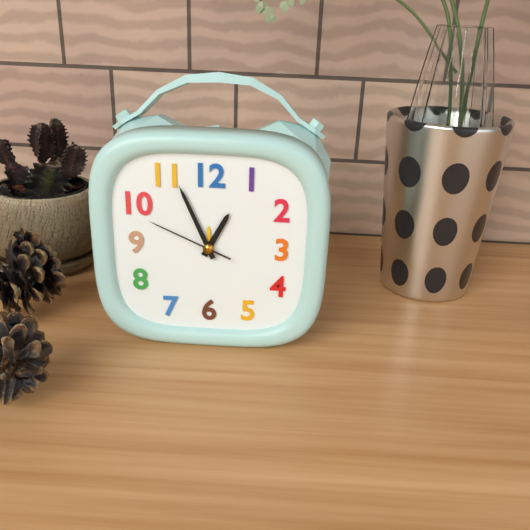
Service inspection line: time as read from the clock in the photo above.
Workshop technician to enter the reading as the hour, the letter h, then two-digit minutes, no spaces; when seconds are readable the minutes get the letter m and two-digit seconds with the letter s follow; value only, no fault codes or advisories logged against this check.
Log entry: 12h56m49s
